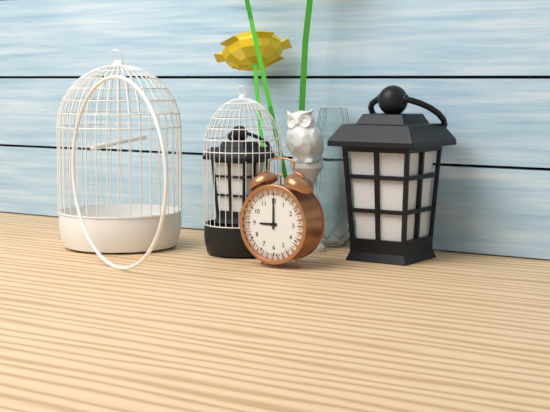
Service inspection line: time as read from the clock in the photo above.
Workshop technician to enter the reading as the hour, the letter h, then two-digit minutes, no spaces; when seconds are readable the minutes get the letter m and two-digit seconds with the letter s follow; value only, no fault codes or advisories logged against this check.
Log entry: 9h00
